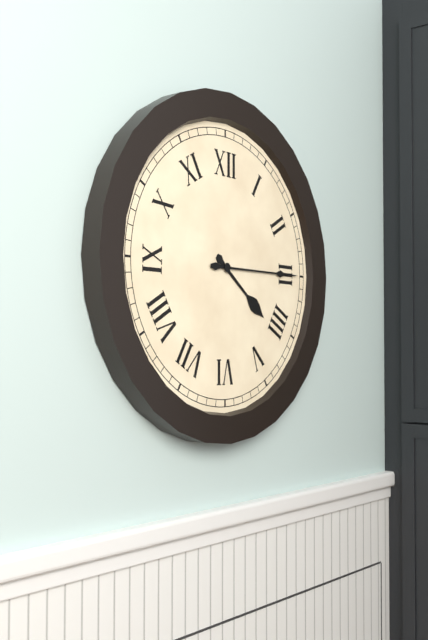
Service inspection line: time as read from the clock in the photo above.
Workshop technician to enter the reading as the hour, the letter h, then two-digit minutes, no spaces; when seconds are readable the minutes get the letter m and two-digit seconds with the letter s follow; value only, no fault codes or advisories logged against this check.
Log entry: 4h15
